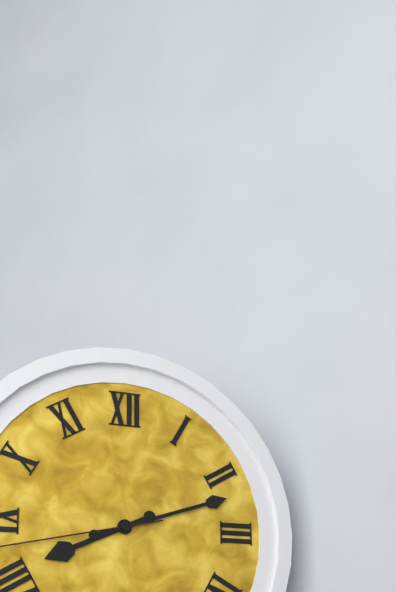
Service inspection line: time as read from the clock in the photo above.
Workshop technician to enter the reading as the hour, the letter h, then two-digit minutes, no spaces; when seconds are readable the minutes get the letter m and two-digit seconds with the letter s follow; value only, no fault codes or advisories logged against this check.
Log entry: 8h12
